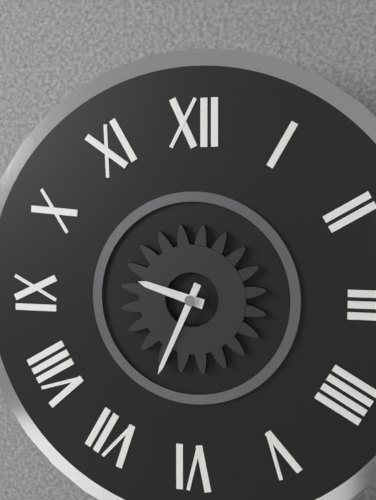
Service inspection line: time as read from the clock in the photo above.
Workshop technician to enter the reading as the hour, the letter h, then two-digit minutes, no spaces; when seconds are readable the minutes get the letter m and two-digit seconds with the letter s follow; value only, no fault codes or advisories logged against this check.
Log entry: 9h34
